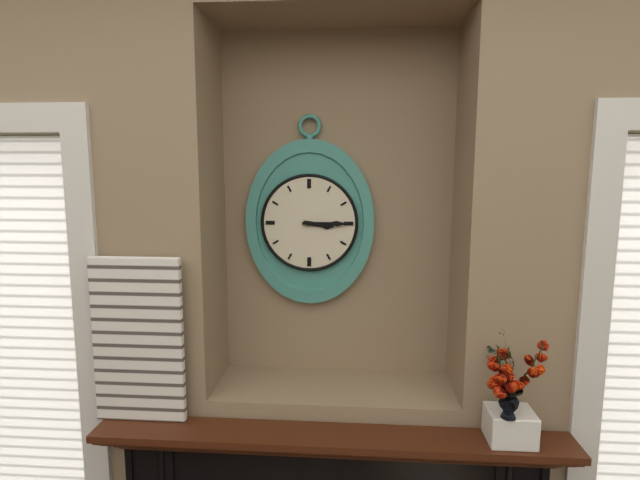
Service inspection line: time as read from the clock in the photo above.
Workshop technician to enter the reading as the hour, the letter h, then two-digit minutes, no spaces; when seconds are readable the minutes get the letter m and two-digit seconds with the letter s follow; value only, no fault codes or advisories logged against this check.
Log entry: 3h15
